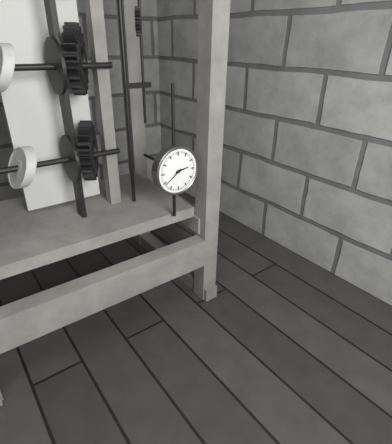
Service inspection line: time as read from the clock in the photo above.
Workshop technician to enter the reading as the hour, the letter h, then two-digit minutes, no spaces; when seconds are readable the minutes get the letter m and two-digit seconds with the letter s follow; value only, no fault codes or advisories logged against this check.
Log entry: 2h39
